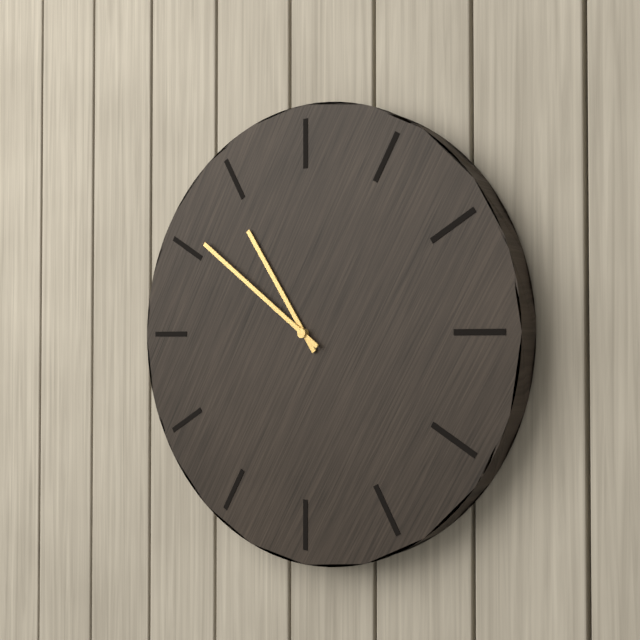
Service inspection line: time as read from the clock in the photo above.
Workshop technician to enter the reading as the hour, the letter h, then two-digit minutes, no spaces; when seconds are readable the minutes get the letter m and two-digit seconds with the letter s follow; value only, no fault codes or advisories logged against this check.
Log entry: 10h51
